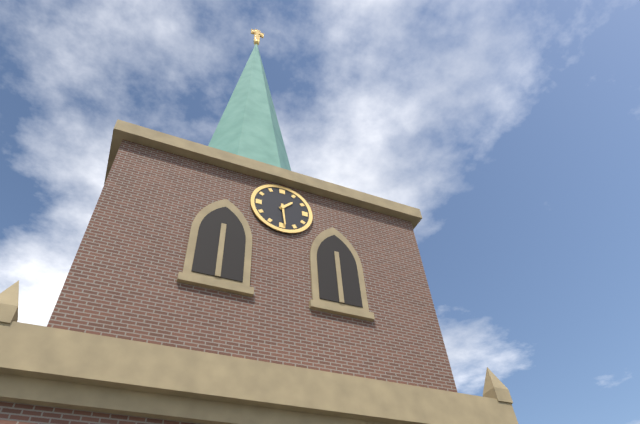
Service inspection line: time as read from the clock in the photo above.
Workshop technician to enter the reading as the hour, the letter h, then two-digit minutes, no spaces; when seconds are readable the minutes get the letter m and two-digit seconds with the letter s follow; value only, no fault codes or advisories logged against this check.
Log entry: 1h29
